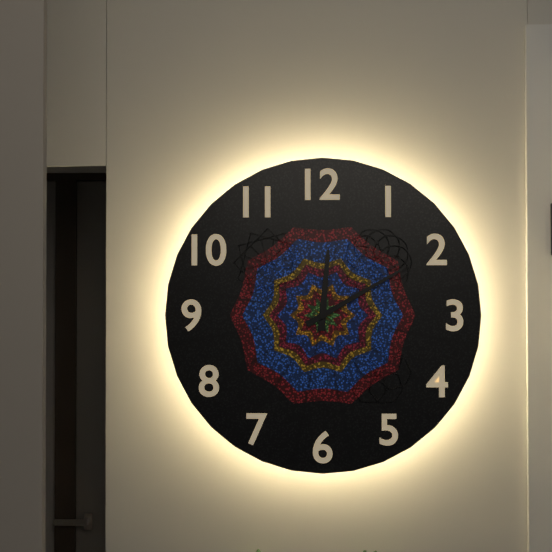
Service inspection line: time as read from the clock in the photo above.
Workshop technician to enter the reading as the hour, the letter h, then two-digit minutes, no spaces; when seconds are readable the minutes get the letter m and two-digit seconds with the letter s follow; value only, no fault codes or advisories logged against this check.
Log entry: 12h10
